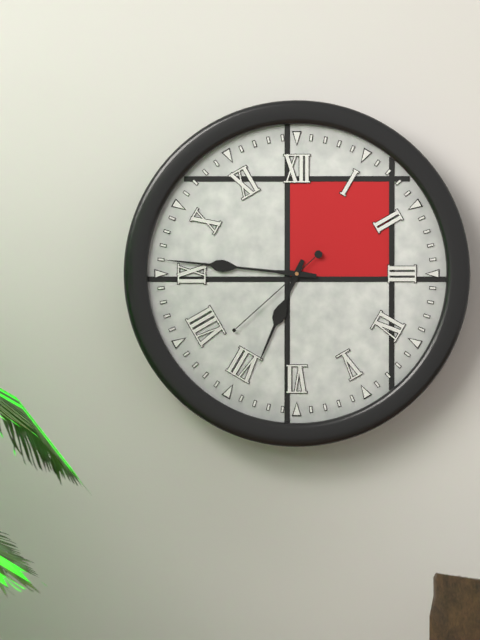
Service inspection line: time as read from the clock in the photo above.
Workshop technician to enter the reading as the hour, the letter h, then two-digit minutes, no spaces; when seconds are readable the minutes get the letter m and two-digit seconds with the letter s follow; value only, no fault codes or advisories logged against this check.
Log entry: 6h46m38s
